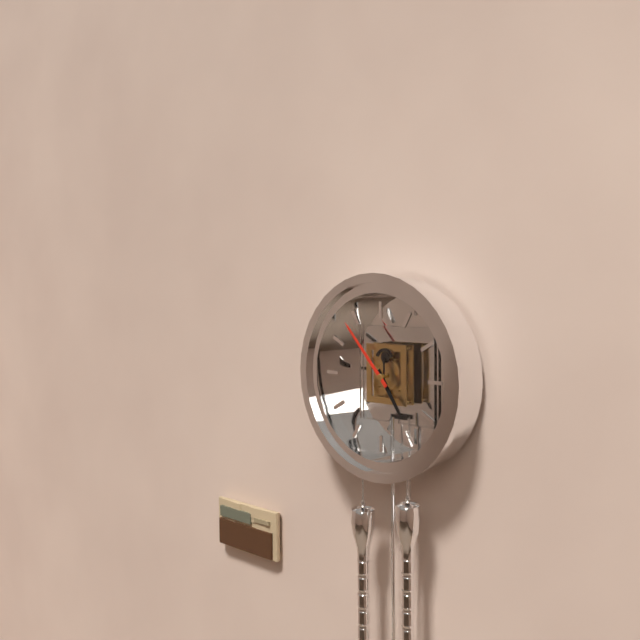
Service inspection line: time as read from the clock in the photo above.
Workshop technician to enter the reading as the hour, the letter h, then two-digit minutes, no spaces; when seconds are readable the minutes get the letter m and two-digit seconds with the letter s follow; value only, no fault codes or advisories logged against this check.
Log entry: 4h53
